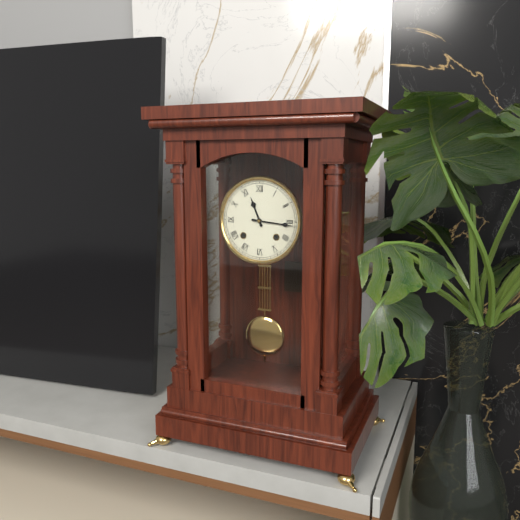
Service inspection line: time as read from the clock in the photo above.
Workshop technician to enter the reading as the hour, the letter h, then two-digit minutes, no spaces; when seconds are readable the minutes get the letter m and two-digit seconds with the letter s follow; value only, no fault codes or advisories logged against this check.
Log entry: 11h16
